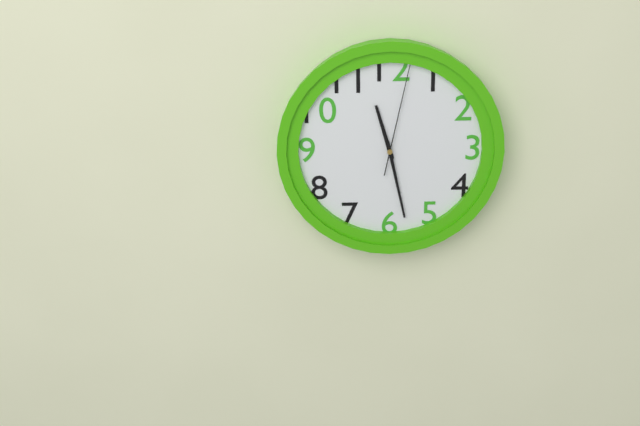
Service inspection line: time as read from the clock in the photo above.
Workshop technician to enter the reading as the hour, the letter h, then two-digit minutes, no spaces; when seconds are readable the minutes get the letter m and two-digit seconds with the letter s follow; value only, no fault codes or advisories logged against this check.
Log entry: 11h28m02s
